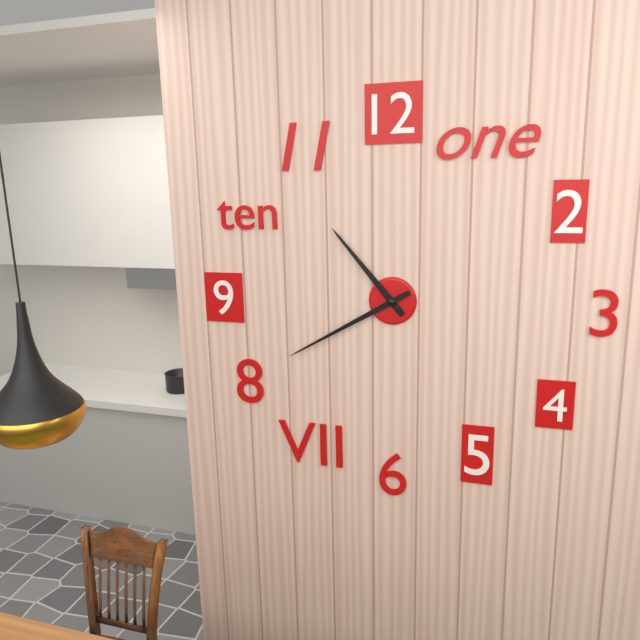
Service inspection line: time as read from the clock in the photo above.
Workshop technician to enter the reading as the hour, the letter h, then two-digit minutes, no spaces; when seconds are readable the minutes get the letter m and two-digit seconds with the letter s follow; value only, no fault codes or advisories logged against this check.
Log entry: 10h40
